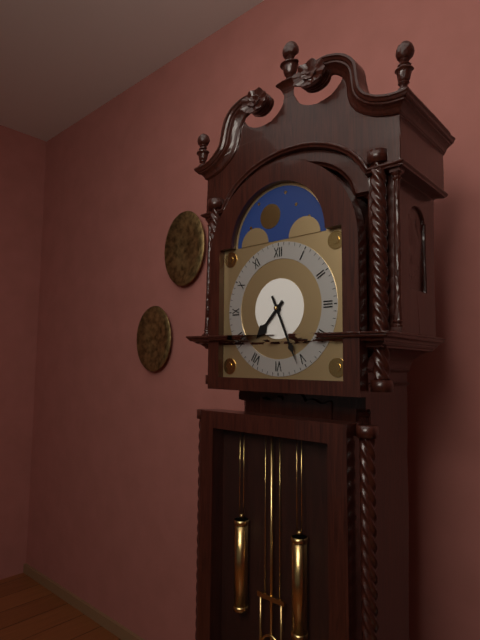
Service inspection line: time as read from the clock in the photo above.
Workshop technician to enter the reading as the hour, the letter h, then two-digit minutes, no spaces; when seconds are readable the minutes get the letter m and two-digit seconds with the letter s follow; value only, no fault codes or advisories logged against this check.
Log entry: 7h26
